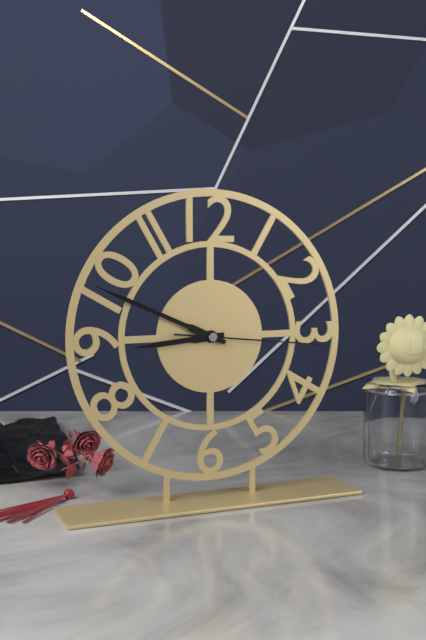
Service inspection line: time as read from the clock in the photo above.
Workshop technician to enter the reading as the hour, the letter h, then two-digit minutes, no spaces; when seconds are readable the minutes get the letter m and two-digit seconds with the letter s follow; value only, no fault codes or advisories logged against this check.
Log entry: 8h49m16s
